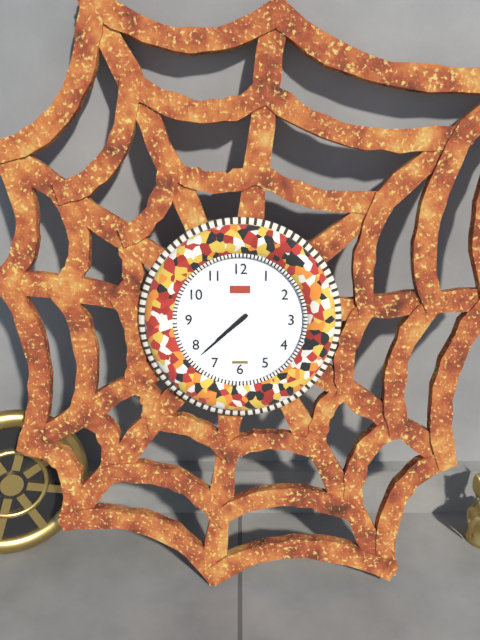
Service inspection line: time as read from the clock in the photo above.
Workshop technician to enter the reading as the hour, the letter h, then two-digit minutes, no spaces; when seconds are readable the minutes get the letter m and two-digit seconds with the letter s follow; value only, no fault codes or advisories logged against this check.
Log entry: 7h38
